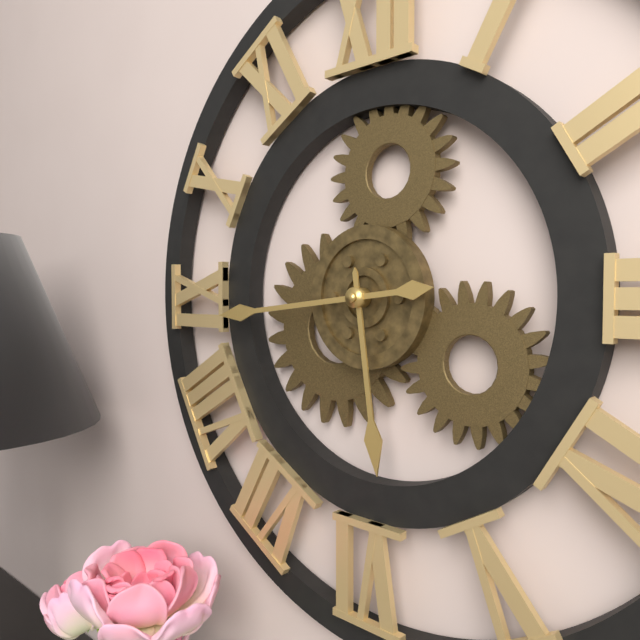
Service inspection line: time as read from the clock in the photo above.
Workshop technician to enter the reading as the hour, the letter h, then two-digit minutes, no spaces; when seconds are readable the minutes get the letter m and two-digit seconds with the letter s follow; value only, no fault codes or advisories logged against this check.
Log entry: 5h44
